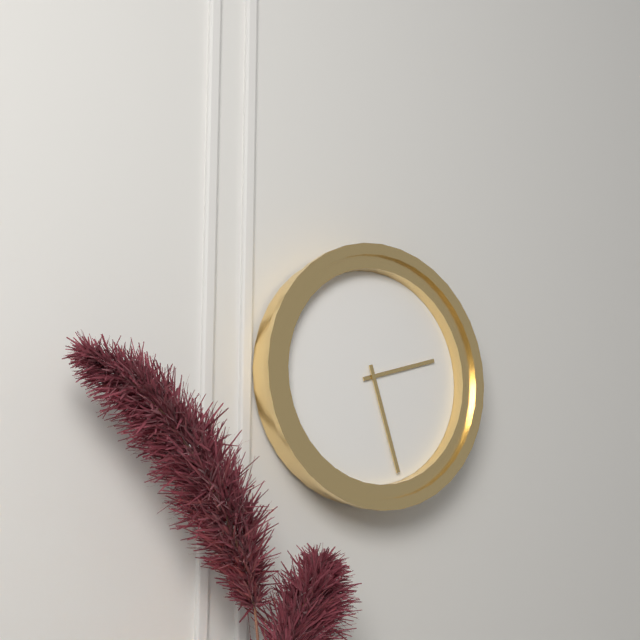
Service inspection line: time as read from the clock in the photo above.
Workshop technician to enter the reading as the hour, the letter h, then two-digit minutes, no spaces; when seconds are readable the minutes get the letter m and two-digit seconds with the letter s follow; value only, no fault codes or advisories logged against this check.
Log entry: 2h27
